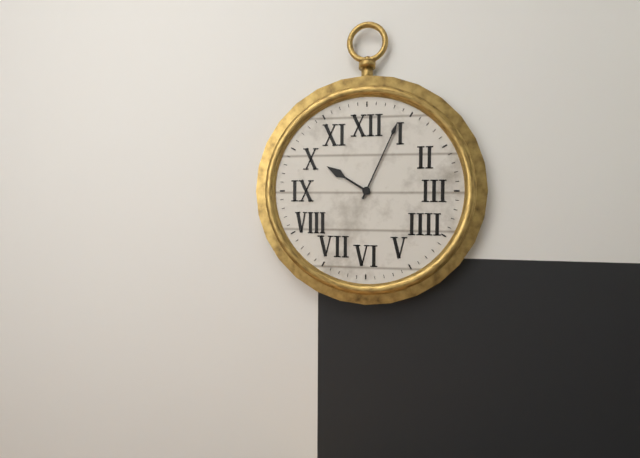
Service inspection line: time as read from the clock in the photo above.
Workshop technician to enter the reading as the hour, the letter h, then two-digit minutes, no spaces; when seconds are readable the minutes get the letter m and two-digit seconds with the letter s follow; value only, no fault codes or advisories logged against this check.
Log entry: 10h04
